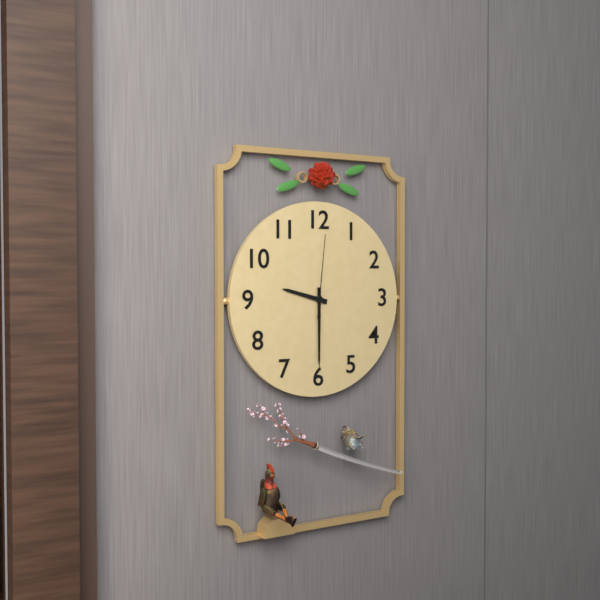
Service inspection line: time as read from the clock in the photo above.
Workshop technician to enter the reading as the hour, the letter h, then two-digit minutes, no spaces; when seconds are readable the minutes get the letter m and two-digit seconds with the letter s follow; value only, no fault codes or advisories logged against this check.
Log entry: 9h30m01s
